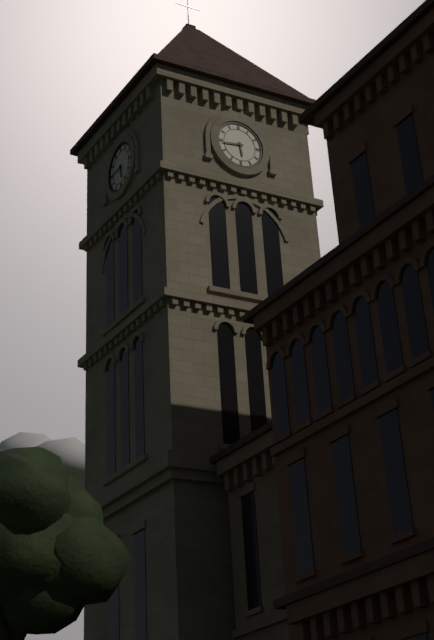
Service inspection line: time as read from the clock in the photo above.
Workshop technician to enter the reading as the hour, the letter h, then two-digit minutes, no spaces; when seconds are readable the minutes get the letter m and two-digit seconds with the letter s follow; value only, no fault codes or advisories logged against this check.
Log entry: 5h44
